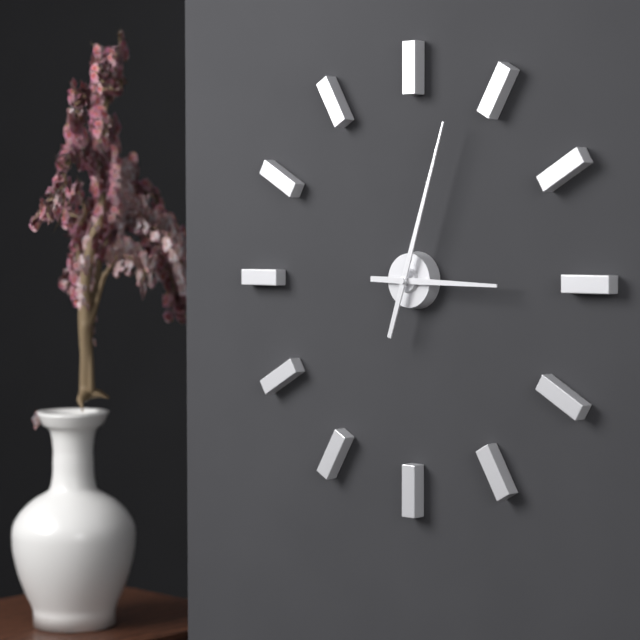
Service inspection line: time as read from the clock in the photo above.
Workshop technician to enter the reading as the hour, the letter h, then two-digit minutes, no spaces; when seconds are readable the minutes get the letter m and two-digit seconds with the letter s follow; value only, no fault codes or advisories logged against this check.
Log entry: 3h03
